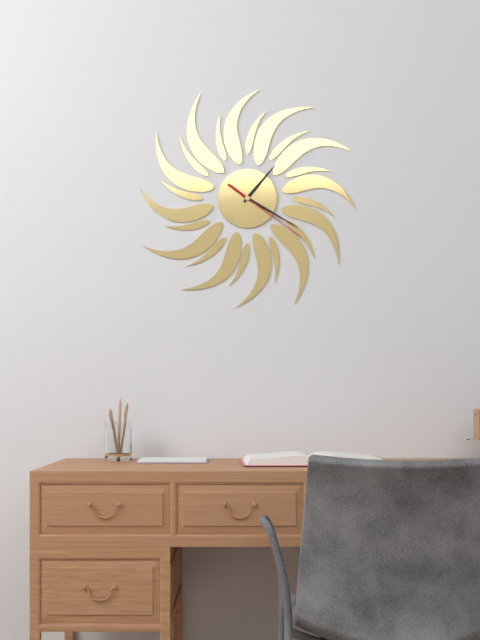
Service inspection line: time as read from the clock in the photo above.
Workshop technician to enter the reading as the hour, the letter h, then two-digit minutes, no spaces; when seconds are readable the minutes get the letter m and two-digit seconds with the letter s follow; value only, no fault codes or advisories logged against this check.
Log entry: 1h20m21s
